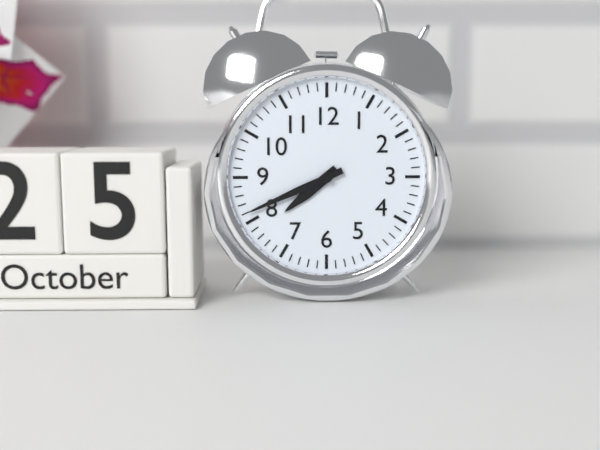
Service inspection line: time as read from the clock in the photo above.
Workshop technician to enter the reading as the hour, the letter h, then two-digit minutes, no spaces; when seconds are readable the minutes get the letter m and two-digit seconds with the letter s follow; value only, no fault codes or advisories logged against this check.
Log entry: 7h41
